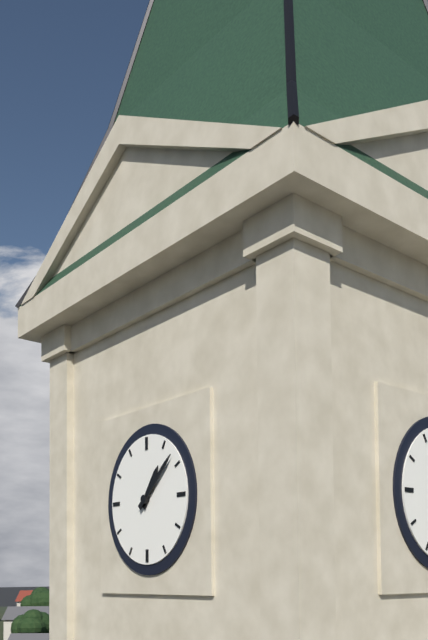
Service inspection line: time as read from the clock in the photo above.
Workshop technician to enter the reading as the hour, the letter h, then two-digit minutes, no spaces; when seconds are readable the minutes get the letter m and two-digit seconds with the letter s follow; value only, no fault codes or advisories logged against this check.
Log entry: 1h08
